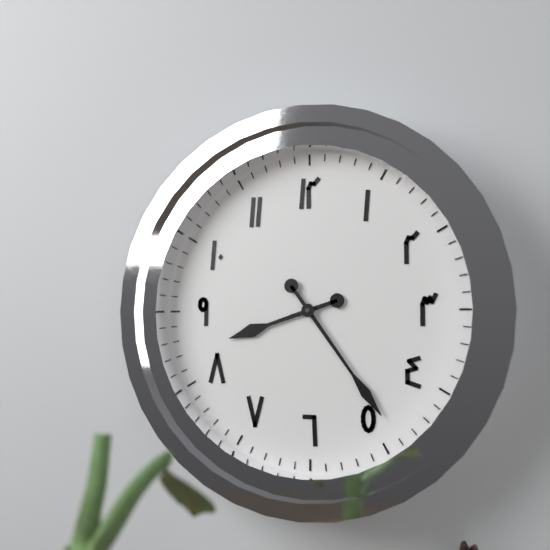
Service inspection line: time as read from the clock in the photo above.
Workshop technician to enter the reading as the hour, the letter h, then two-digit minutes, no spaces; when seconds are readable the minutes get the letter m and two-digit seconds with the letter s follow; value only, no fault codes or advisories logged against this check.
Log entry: 8h24
